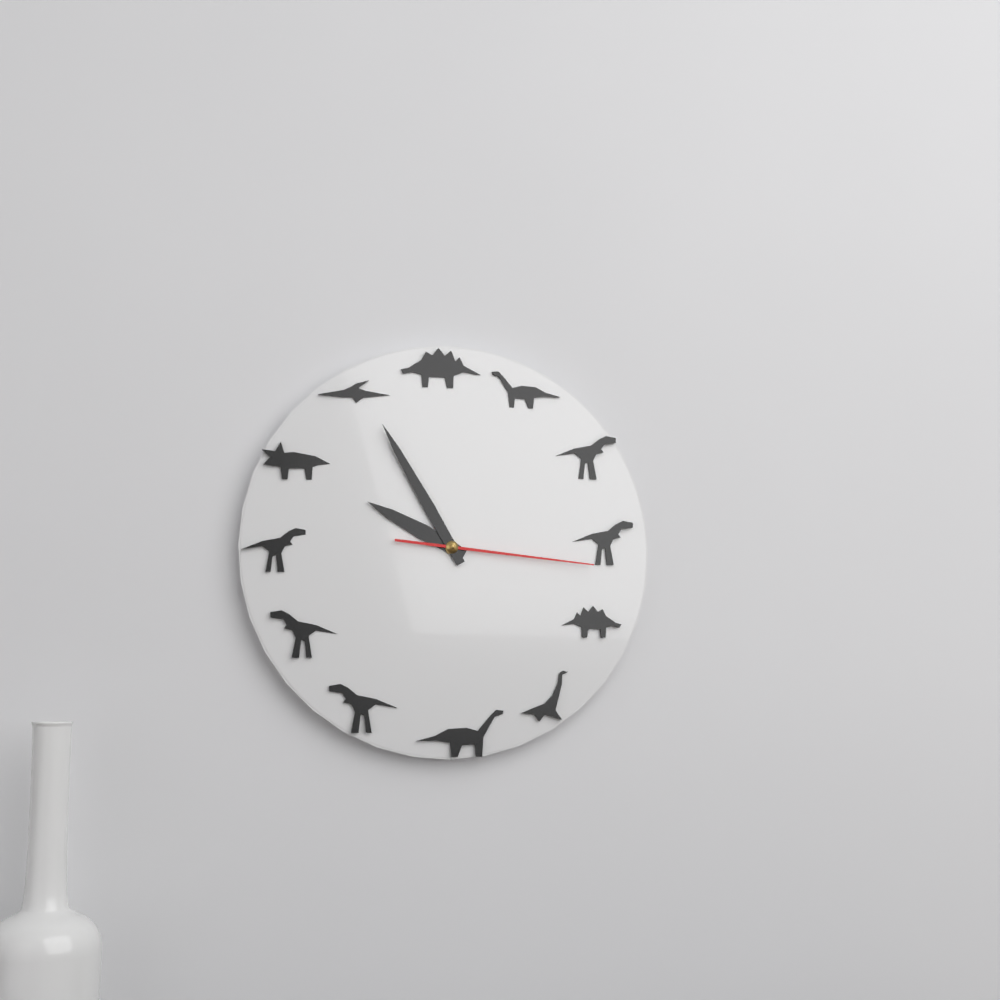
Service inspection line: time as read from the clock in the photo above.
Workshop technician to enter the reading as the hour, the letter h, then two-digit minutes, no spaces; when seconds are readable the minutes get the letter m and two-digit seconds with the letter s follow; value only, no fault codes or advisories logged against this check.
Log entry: 9h55m16s
